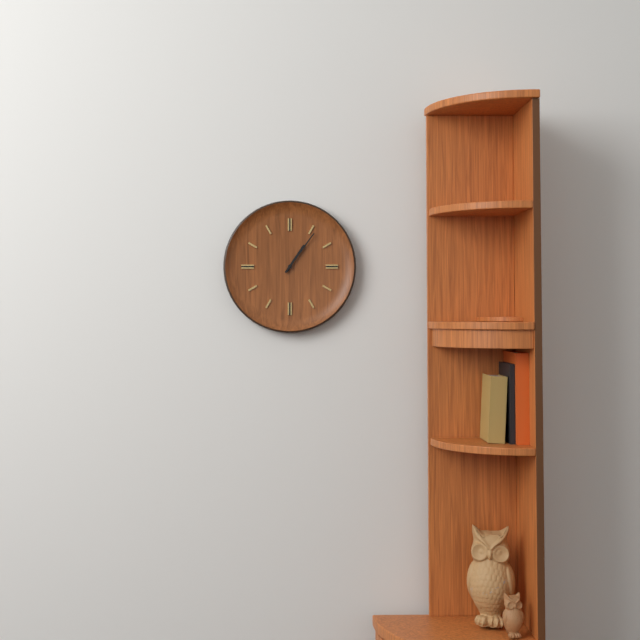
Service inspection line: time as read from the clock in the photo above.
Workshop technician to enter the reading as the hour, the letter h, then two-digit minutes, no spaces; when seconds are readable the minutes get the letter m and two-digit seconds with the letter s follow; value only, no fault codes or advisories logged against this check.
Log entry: 1h06
